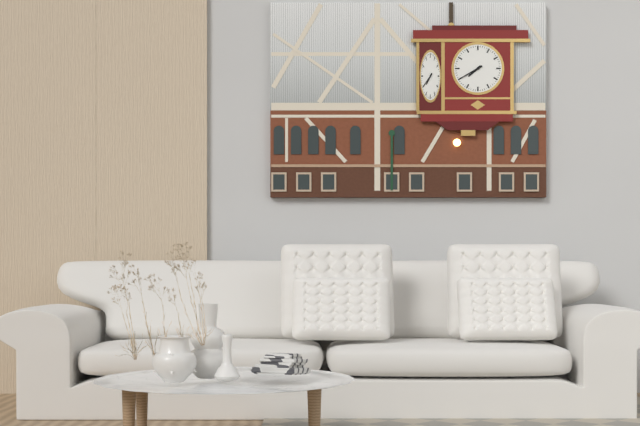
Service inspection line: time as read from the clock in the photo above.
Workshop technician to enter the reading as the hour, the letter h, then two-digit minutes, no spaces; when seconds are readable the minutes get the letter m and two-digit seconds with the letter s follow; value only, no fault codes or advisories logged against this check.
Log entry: 7h40
